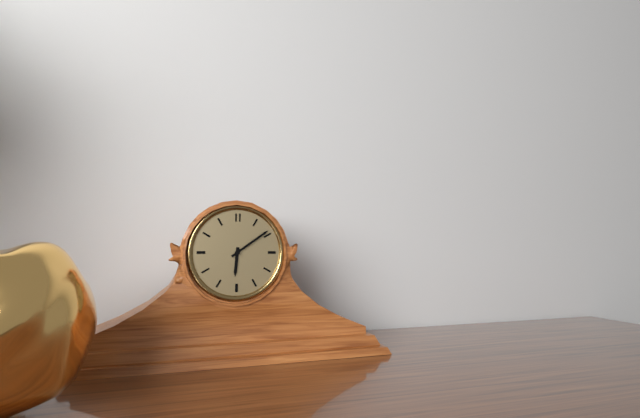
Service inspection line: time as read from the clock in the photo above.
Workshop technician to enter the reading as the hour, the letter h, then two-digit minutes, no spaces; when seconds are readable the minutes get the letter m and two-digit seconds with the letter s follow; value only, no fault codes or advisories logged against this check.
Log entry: 6h09
